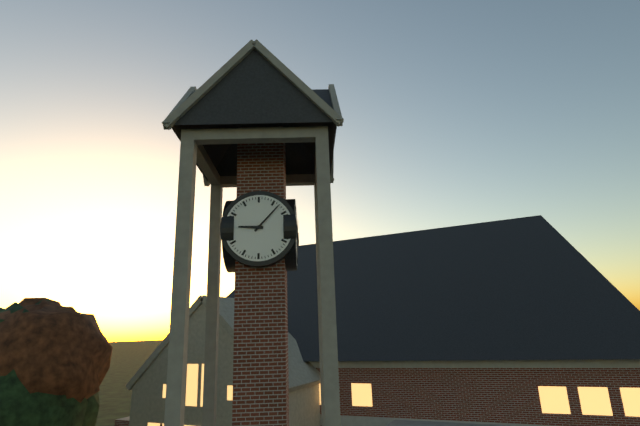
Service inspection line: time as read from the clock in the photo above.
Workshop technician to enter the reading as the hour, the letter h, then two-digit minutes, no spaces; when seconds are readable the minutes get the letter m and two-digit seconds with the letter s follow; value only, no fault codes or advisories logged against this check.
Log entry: 9h07
